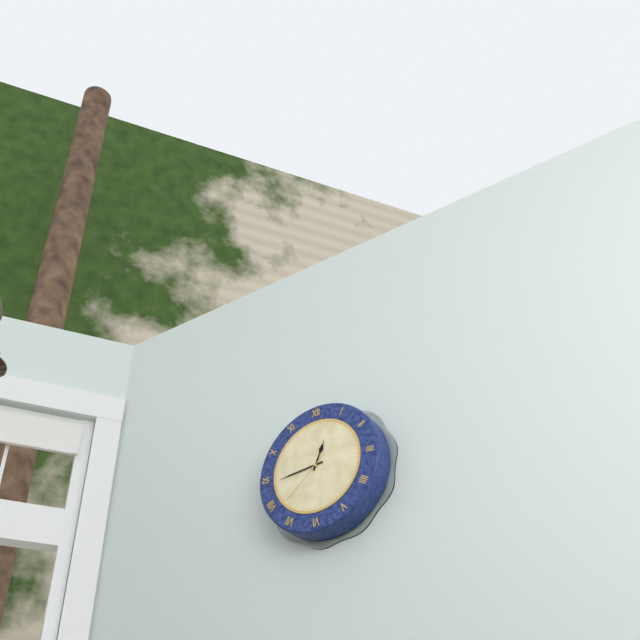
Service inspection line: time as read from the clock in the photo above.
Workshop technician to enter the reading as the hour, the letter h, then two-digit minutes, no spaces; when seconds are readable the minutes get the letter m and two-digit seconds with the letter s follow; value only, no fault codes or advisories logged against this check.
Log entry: 12h44m38s
